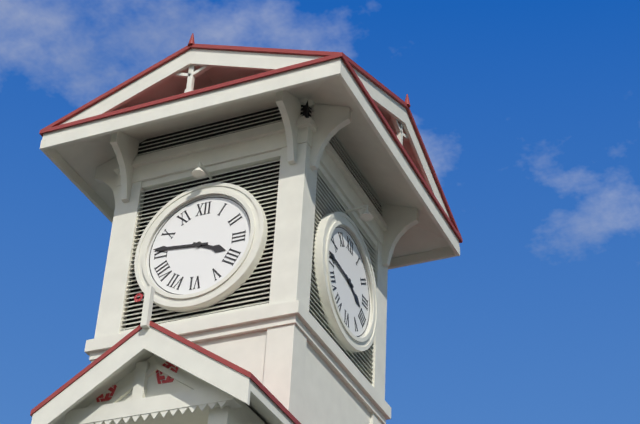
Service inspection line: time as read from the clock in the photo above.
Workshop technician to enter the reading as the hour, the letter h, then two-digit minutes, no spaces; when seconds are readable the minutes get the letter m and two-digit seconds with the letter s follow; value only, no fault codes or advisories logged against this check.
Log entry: 3h46
